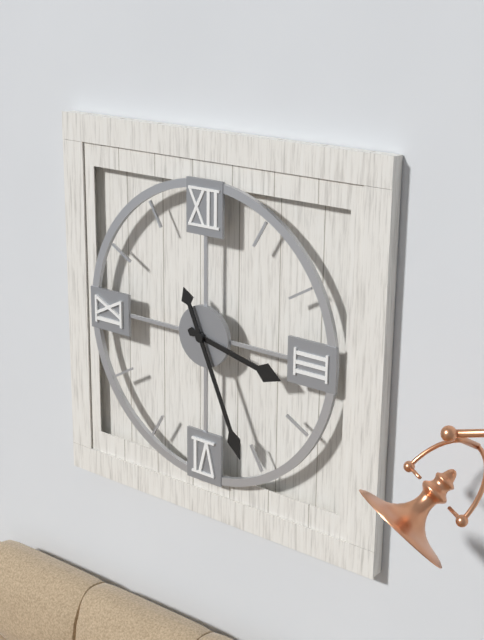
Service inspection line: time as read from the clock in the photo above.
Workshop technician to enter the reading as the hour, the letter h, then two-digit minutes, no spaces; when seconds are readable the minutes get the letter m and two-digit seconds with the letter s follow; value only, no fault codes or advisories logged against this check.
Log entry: 3h26
